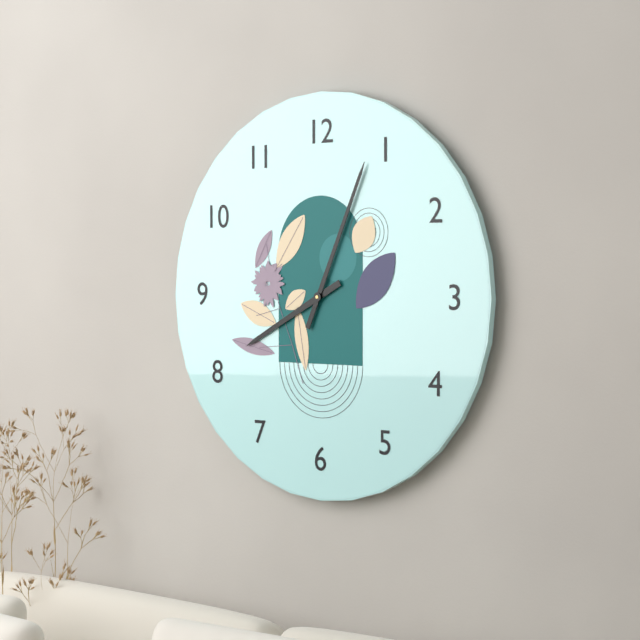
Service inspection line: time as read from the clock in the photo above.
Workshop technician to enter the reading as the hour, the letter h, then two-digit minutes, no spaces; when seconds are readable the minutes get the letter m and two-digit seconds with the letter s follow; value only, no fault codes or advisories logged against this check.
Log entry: 8h04
